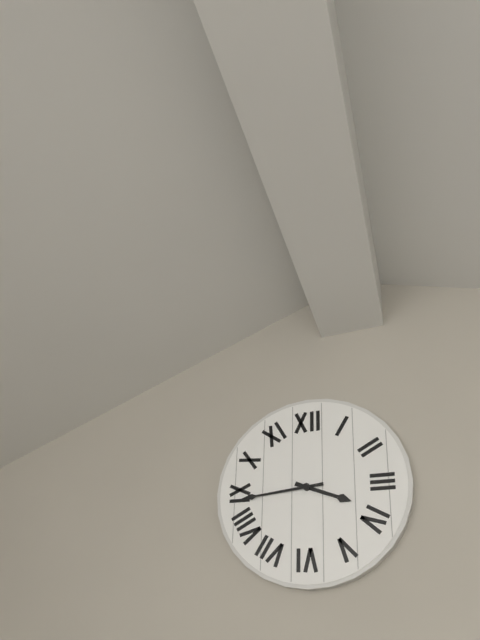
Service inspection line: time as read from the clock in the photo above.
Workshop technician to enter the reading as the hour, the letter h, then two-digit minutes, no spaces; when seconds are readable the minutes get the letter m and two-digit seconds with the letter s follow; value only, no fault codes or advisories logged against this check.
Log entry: 3h44
